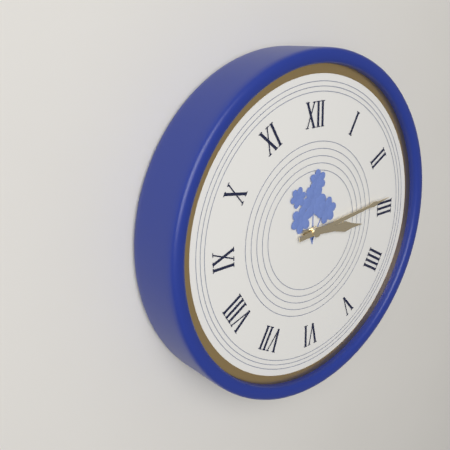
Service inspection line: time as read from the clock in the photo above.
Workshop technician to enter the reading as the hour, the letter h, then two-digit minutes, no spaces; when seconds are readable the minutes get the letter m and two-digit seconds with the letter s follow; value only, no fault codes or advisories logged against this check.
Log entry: 3h14
